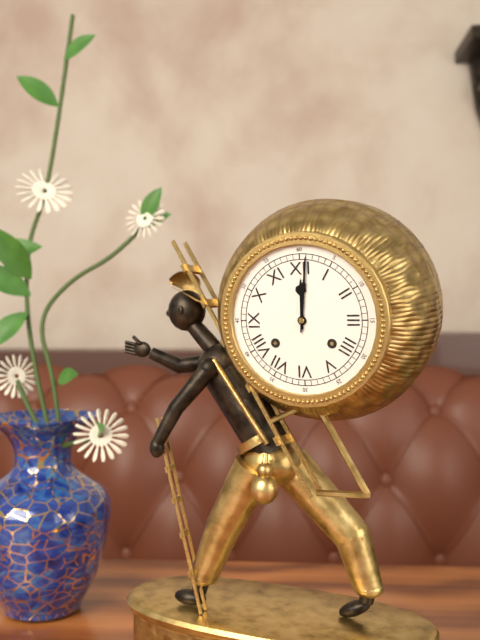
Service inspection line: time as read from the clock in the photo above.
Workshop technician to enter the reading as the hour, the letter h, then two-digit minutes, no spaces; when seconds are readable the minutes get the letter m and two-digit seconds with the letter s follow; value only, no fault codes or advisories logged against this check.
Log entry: 12h01
